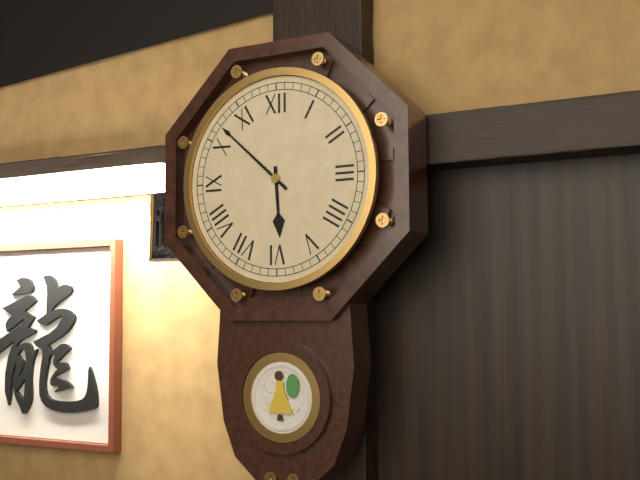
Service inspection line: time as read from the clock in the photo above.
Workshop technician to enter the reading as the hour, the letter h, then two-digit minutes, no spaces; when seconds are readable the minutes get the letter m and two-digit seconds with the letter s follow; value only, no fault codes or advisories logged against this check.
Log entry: 5h52
